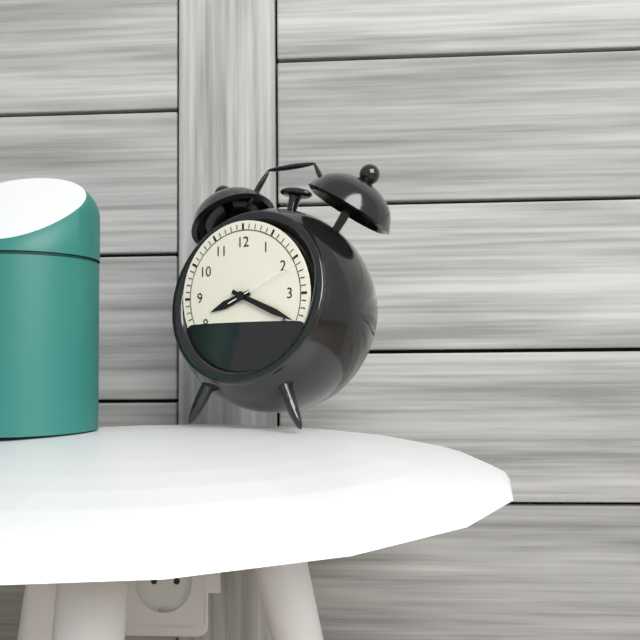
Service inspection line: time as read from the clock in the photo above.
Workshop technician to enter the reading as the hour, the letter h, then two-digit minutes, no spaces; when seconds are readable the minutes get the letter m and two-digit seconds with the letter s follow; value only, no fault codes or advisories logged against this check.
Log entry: 8h19m11s
